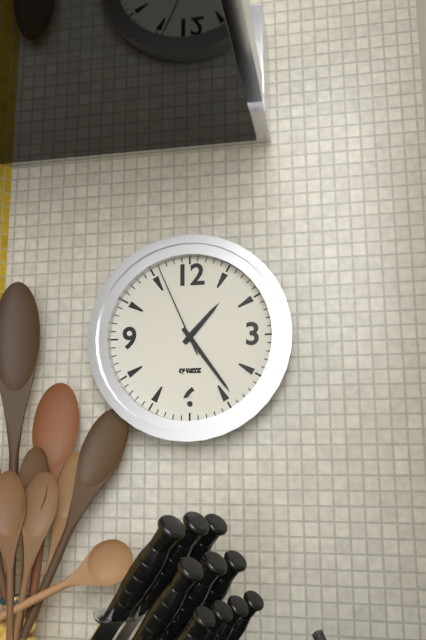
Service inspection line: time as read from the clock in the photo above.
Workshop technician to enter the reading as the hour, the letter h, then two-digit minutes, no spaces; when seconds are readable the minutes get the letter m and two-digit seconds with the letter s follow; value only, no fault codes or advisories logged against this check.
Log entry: 1h24m56s
